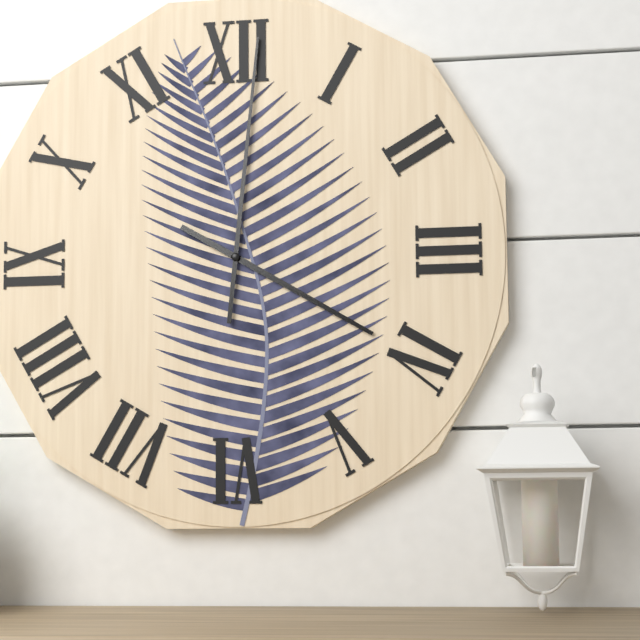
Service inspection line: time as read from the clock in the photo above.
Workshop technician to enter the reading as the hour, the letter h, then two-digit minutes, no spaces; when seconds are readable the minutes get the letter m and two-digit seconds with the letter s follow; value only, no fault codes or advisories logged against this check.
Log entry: 4h01
